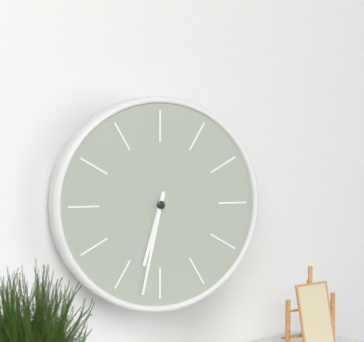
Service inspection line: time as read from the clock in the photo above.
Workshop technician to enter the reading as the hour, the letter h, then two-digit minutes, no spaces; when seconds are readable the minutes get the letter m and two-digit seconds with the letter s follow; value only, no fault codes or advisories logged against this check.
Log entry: 6h32
